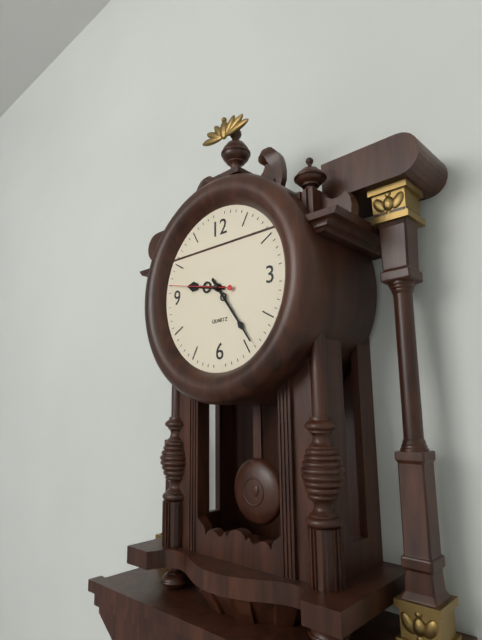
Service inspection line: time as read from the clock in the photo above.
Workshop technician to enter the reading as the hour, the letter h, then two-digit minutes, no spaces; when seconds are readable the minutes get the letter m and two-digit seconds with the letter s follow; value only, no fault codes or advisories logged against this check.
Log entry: 9h24m47s
